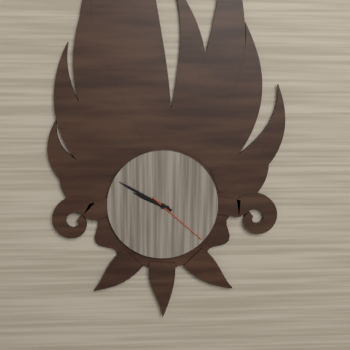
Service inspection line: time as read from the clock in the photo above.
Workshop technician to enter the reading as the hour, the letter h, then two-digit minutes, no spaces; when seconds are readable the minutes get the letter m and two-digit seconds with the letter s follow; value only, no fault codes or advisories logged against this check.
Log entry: 9h50m22s
